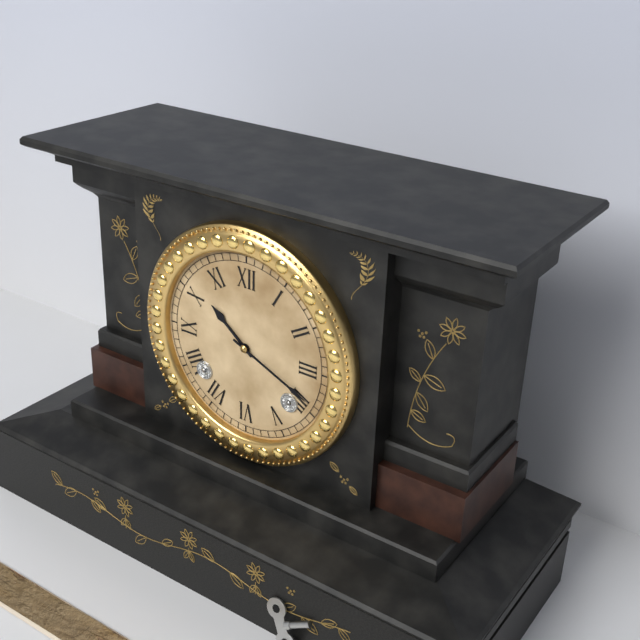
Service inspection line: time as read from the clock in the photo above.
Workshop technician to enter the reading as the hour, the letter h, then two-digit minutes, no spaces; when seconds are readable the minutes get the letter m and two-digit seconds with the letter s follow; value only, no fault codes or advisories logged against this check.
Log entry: 10h19
